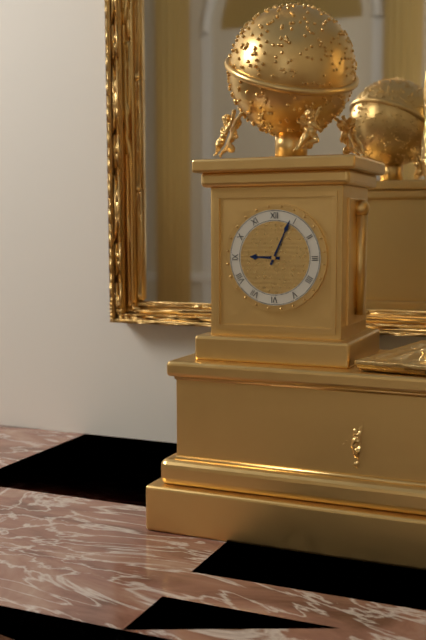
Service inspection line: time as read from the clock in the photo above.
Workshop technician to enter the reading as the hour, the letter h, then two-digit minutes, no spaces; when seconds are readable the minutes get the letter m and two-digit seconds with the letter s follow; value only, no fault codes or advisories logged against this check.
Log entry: 9h04
